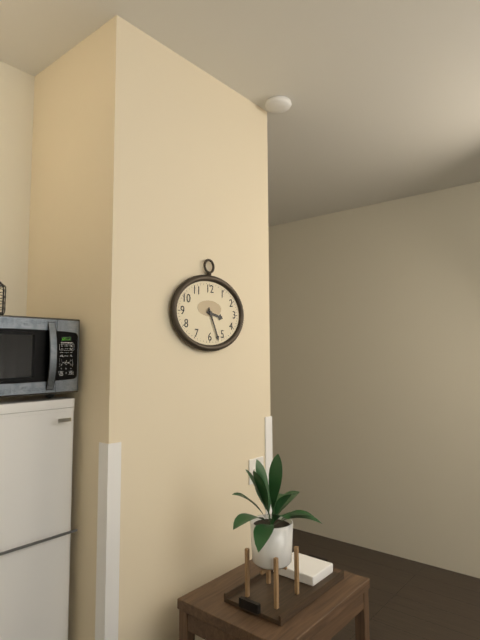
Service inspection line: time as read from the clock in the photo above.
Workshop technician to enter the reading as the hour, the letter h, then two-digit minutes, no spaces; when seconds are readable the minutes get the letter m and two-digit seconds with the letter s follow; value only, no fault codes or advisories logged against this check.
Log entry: 3h26
